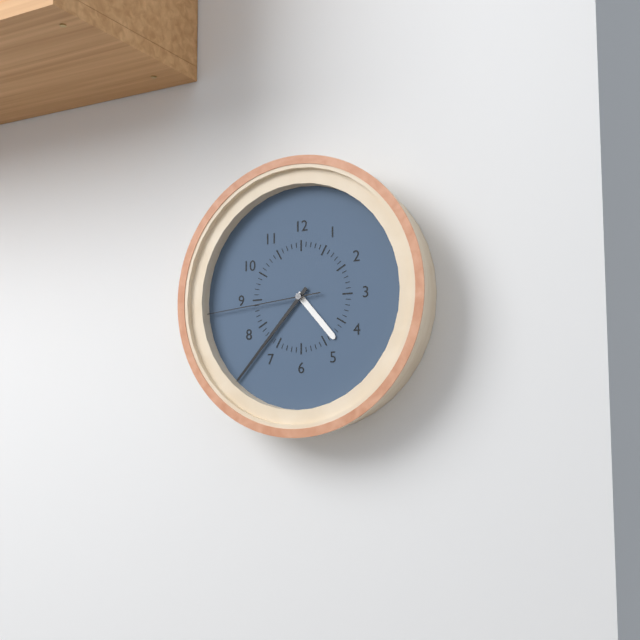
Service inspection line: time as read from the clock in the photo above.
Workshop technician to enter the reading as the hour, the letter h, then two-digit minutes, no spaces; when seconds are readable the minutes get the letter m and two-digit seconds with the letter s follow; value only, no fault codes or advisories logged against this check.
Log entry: 4h37m44s
